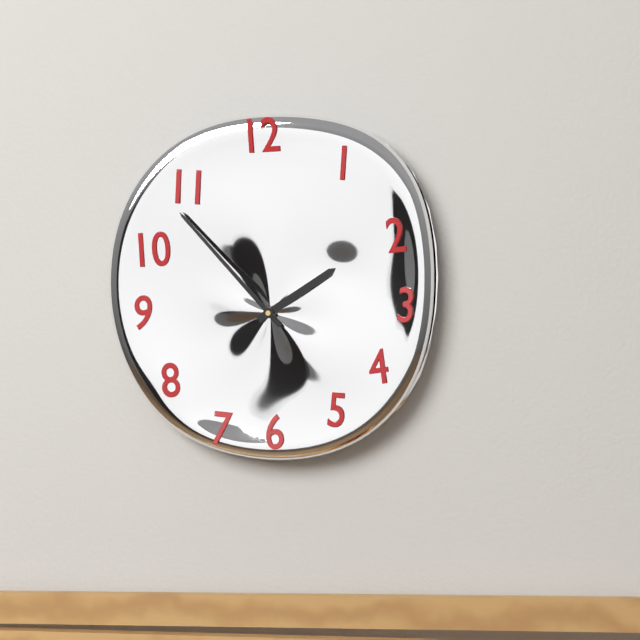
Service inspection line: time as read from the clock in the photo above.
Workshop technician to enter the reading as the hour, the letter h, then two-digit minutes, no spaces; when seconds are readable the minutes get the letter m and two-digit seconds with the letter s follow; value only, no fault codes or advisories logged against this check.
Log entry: 1h53
